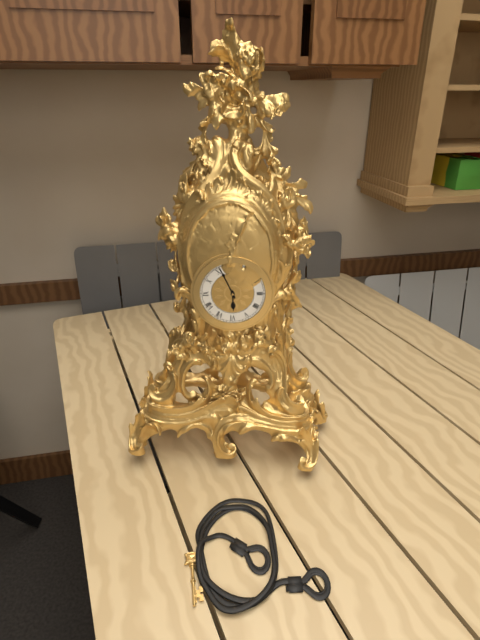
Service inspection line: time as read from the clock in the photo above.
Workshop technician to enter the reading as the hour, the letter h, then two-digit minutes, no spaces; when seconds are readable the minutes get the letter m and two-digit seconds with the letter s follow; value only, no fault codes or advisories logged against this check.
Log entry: 5h56
